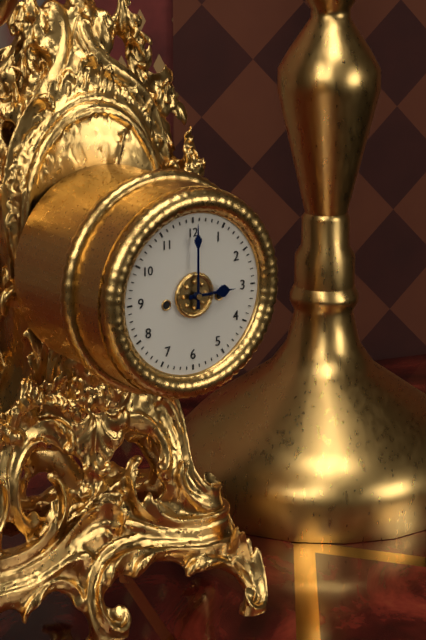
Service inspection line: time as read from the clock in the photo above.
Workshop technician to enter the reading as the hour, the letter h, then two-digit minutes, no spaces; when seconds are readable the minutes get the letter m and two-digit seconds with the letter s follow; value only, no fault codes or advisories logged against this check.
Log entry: 3h00
